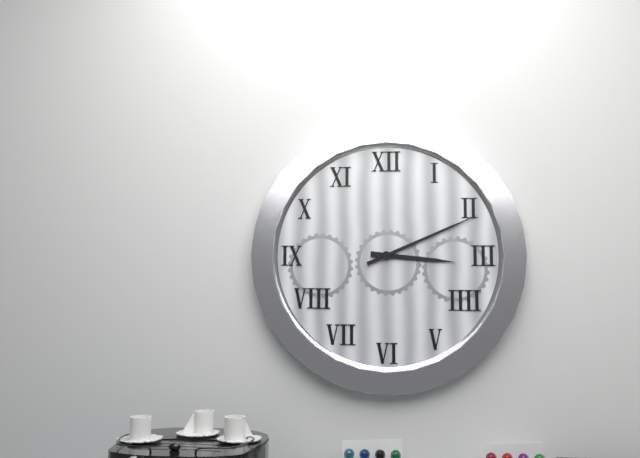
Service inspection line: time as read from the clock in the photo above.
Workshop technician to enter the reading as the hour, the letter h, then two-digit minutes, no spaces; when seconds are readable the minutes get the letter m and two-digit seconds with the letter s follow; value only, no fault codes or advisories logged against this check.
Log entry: 3h11
